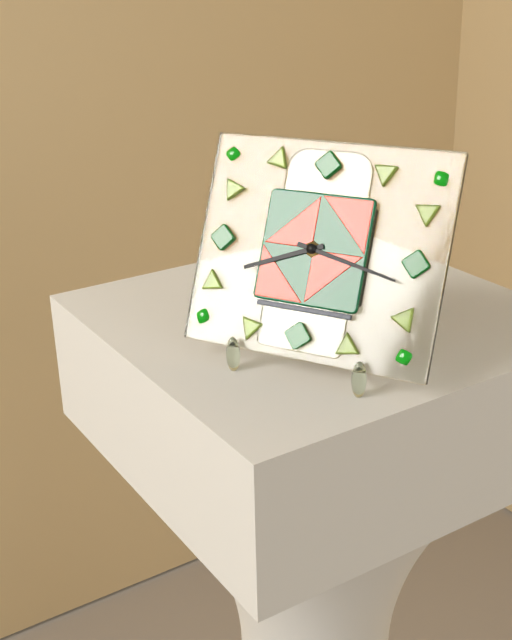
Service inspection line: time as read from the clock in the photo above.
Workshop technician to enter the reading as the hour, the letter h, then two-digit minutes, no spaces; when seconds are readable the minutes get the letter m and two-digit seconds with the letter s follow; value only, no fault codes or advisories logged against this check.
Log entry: 8h17
